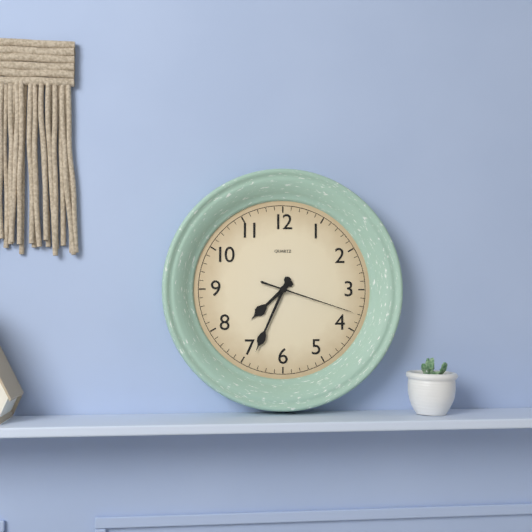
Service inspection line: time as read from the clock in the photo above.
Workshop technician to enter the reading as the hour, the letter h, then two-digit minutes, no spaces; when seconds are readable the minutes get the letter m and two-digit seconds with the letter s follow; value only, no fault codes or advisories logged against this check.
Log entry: 7h34m18s
